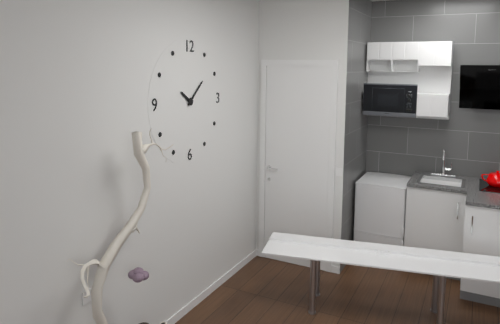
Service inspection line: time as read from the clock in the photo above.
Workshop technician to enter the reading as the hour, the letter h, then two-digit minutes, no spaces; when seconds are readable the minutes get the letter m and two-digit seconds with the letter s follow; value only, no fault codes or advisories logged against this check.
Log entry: 10h08
